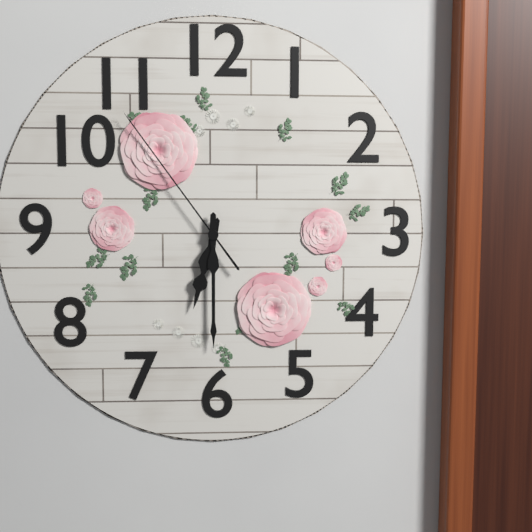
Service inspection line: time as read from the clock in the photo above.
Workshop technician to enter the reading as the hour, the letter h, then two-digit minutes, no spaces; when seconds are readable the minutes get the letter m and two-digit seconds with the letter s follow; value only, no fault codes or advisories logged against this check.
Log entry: 6h30m54s
